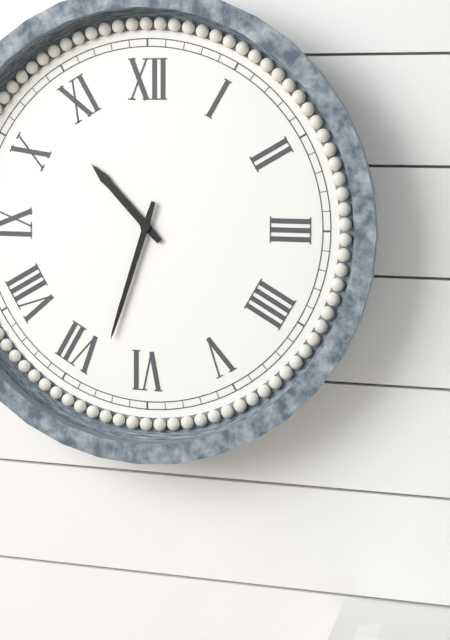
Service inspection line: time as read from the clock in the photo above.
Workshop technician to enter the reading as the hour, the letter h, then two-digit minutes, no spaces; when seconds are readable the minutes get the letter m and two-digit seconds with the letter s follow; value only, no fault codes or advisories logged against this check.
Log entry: 10h33
